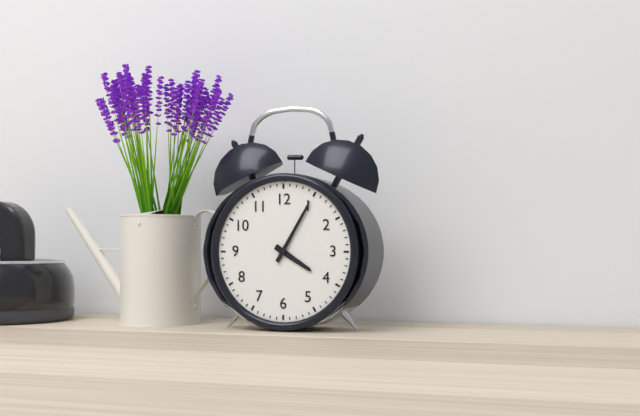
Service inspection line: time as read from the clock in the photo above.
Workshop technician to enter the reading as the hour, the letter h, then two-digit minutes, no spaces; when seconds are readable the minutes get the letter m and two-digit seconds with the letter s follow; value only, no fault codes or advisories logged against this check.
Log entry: 4h05
